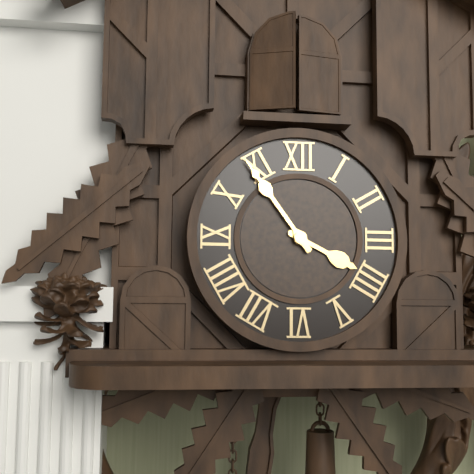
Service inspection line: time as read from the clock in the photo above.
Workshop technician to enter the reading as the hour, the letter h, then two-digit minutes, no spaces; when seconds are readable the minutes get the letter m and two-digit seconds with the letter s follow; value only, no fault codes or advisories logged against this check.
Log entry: 3h54
